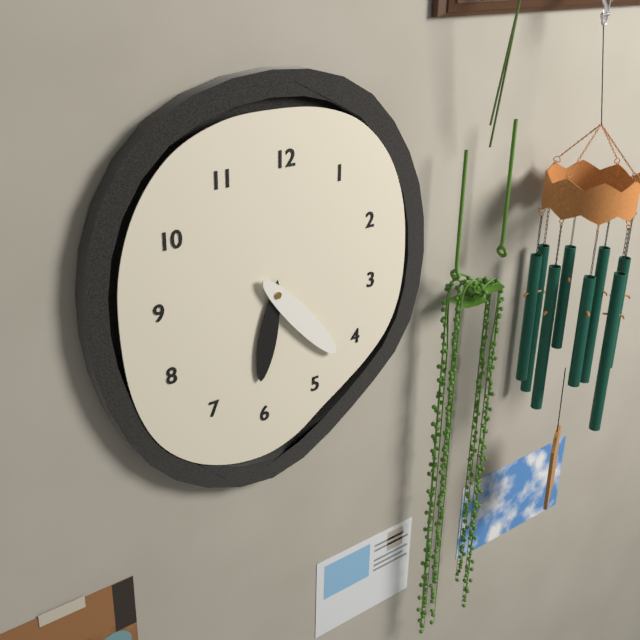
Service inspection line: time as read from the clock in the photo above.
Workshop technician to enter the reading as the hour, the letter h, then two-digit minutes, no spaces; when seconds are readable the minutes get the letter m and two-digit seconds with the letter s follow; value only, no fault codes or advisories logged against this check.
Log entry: 6h23
